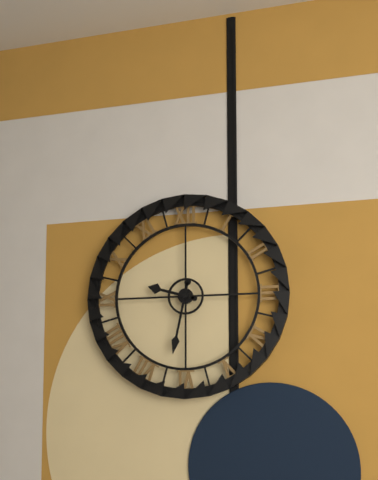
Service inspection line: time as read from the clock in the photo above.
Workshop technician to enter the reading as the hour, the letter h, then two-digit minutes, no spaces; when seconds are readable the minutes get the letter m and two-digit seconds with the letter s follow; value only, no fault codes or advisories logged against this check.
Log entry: 9h32
